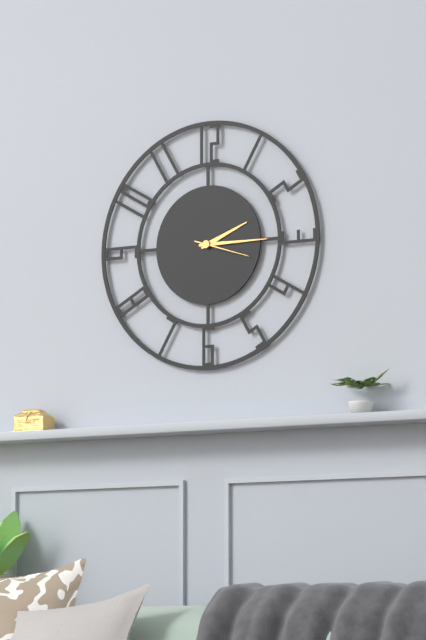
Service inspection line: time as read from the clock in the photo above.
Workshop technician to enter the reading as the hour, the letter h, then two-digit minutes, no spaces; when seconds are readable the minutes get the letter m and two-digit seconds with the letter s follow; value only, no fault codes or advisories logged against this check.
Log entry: 2h15m18s
